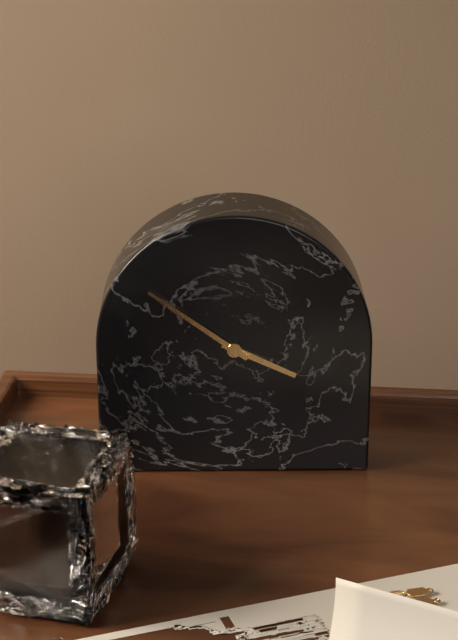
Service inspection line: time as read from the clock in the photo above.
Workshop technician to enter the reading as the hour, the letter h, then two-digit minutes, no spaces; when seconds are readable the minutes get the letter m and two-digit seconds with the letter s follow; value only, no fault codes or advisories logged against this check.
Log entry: 3h51
